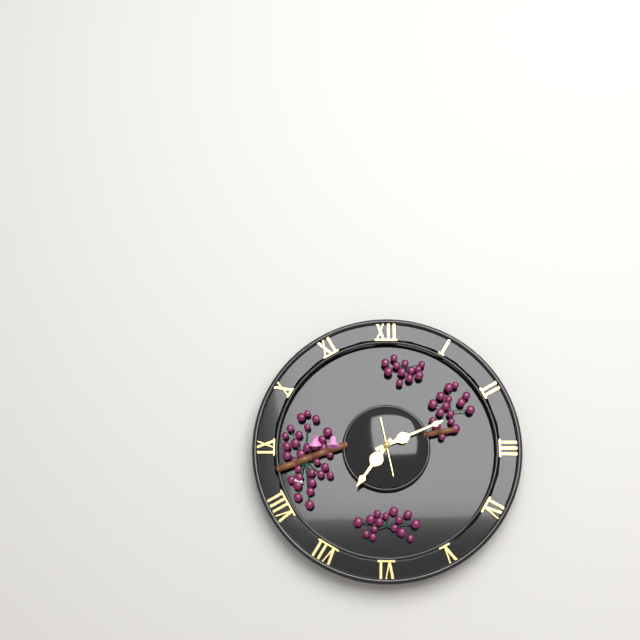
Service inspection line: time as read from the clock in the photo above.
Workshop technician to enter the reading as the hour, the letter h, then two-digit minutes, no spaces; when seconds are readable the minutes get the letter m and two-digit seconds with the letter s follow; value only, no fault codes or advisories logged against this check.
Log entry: 7h11
